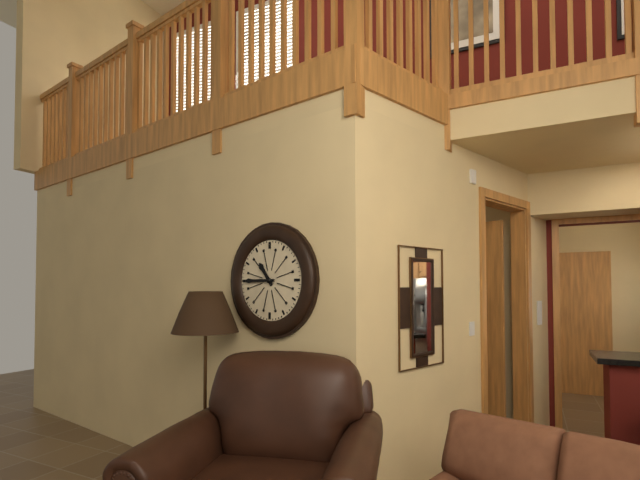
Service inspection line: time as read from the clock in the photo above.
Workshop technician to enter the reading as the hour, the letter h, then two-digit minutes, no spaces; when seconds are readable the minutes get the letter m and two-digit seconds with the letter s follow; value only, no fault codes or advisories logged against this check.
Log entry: 10h45
